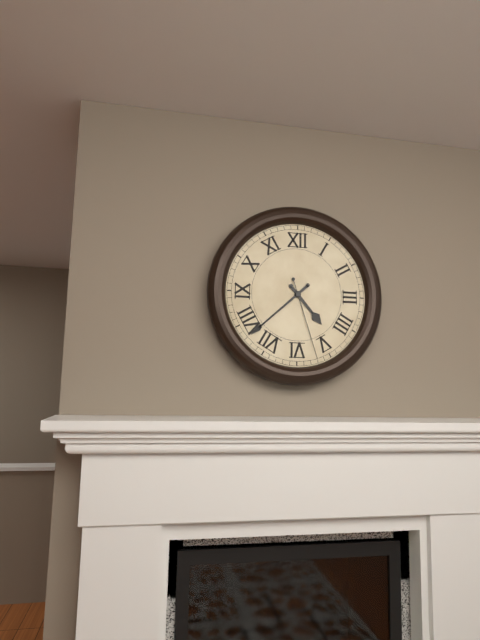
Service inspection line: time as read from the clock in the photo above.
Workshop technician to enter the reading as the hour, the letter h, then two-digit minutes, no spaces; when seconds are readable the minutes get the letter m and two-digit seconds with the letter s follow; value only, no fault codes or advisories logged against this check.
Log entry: 4h38m27s
